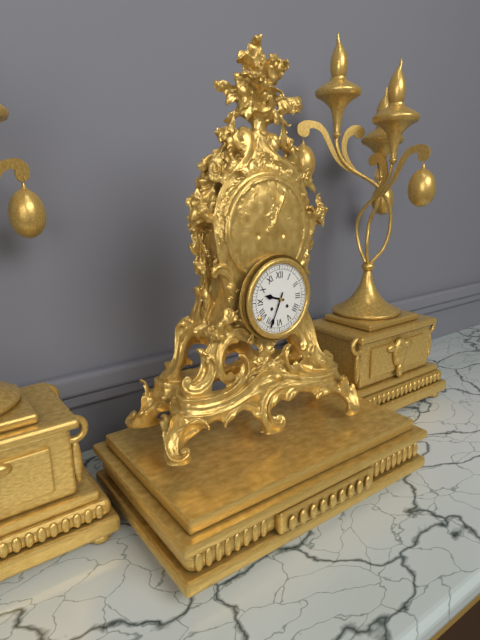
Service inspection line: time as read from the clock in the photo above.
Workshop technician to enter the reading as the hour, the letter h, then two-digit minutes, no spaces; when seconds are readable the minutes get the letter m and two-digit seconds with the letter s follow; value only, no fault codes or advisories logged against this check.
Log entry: 9h34
